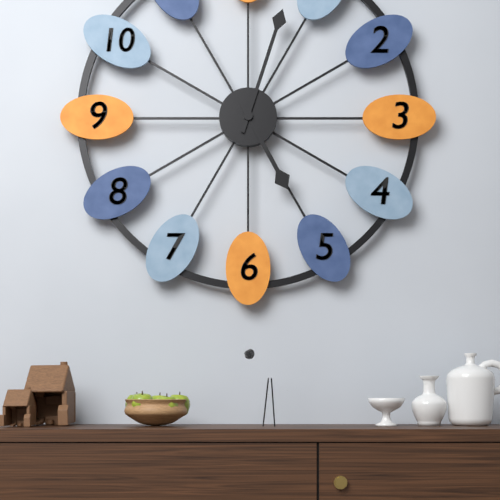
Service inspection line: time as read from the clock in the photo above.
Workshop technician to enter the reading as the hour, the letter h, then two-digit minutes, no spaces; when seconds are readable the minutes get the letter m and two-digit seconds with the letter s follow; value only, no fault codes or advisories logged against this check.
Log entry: 5h03
